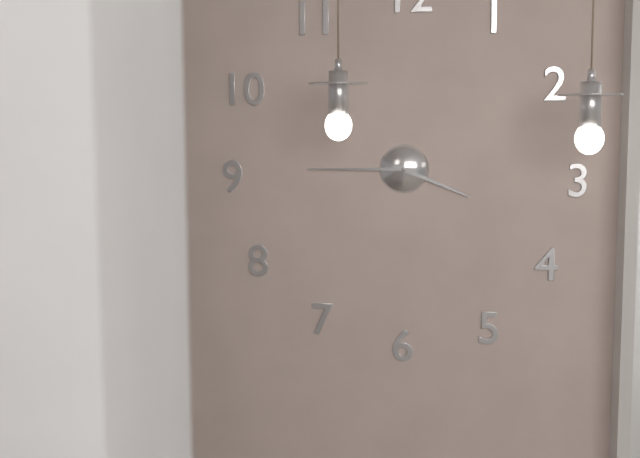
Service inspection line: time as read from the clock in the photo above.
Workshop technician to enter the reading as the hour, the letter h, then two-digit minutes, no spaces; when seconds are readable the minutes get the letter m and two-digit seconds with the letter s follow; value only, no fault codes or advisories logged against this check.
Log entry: 3h45
